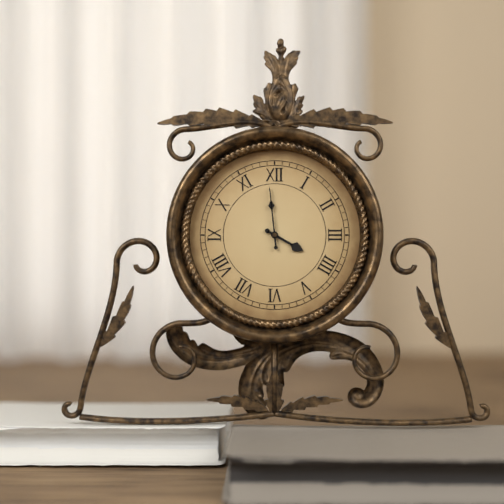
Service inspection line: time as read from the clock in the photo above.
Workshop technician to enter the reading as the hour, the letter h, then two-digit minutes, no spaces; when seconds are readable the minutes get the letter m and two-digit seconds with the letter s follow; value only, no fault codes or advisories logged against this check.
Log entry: 3h59
